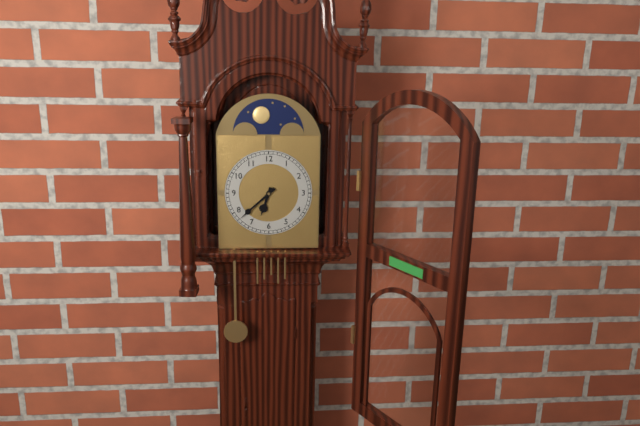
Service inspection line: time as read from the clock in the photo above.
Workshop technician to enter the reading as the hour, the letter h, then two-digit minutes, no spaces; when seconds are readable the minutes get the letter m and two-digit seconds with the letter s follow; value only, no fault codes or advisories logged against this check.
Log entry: 6h38
